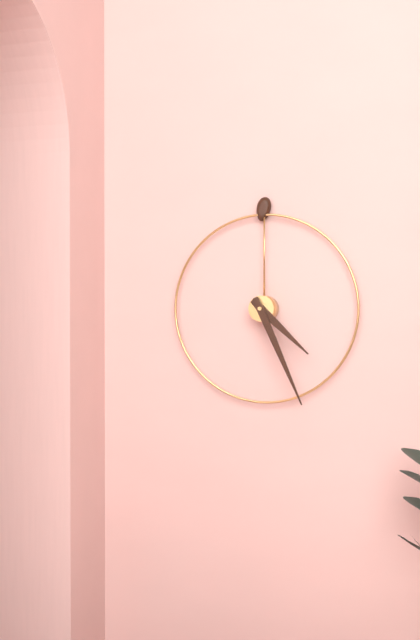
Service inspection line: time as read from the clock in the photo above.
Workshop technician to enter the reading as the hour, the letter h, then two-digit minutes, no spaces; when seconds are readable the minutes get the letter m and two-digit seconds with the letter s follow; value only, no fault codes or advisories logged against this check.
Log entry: 4h26
